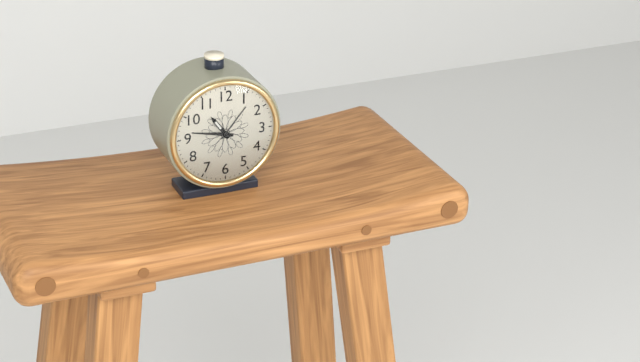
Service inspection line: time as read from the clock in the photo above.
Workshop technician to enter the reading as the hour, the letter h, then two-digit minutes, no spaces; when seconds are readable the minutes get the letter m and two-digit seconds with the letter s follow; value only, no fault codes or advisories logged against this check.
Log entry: 10h47
